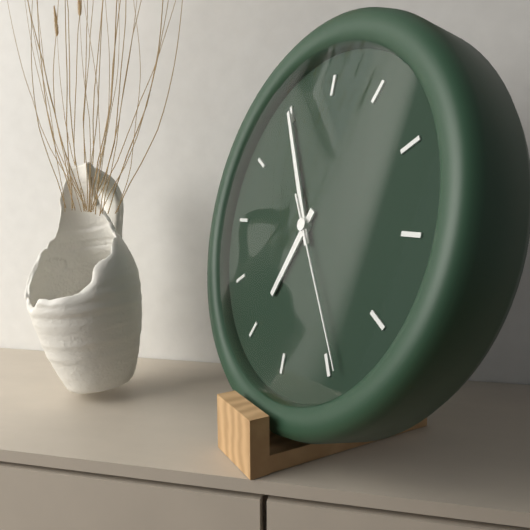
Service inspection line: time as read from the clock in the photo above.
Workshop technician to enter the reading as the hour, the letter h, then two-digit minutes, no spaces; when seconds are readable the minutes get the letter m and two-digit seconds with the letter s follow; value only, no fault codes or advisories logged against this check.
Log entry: 6h55m24s
